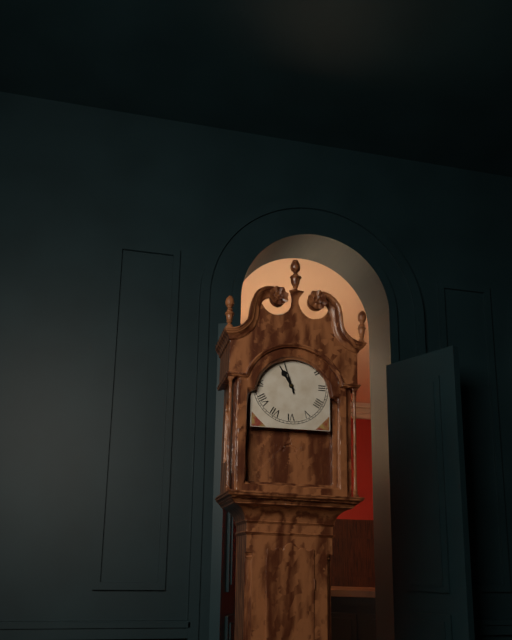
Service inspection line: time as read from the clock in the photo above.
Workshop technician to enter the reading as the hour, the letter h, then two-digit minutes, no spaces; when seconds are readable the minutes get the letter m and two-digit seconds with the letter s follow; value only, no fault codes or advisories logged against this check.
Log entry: 10h57
